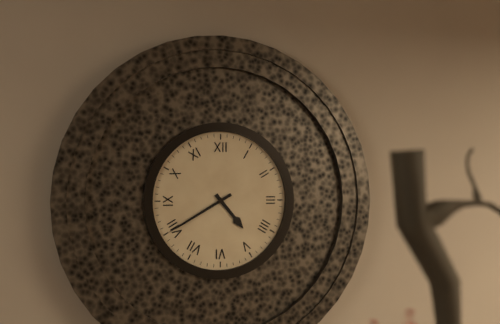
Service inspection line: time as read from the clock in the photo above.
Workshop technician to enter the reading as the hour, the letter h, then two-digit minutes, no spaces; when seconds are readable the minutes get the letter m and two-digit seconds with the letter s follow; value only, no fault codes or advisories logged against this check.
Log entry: 4h40
